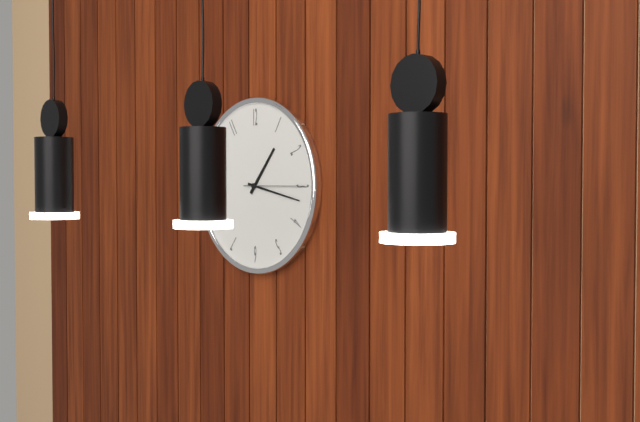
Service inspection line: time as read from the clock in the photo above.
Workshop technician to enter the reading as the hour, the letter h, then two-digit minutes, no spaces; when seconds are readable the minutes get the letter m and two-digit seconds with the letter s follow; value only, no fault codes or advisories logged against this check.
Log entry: 1h17m15s
